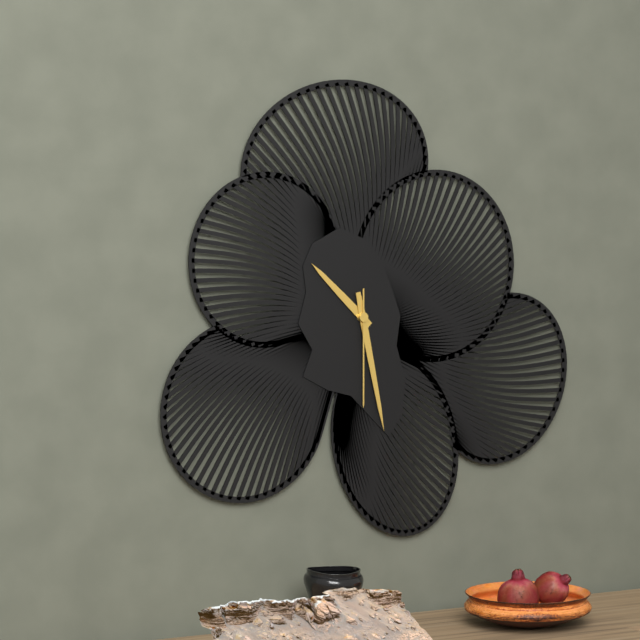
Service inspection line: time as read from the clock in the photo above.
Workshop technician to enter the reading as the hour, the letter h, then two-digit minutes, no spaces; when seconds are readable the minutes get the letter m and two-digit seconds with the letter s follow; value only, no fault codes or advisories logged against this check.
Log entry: 10h28m30s
